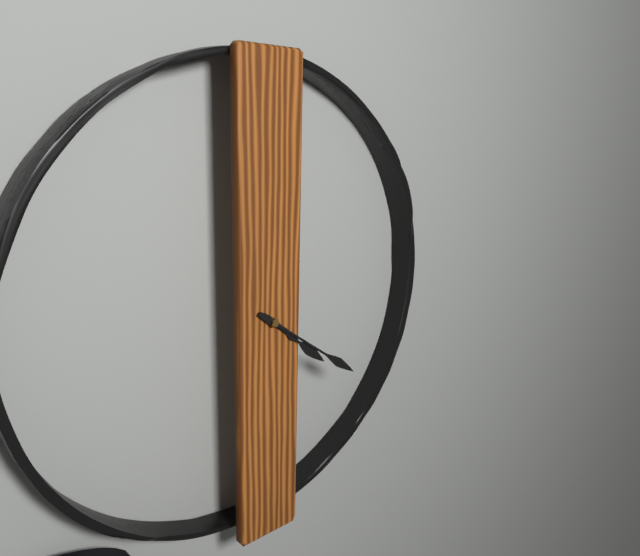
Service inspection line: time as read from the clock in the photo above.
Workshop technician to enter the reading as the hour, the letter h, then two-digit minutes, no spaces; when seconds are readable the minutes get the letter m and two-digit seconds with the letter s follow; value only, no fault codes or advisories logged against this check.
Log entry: 4h21
